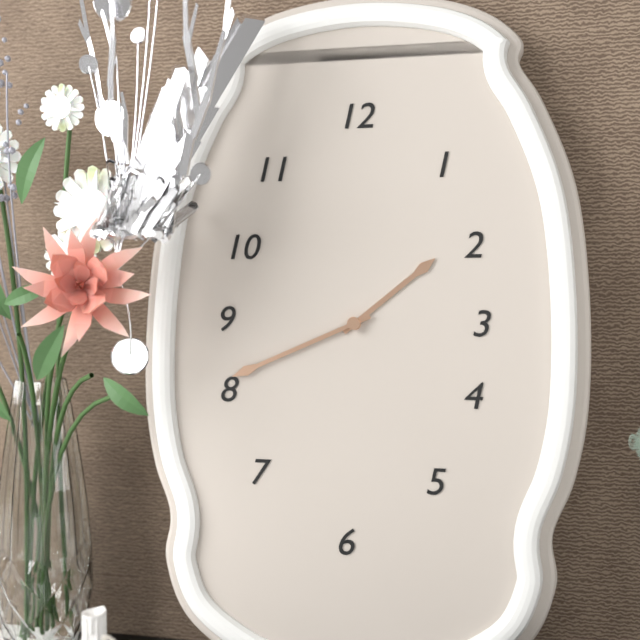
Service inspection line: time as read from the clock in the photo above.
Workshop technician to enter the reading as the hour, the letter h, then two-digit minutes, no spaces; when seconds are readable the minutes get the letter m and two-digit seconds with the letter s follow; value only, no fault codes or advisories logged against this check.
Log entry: 1h41
